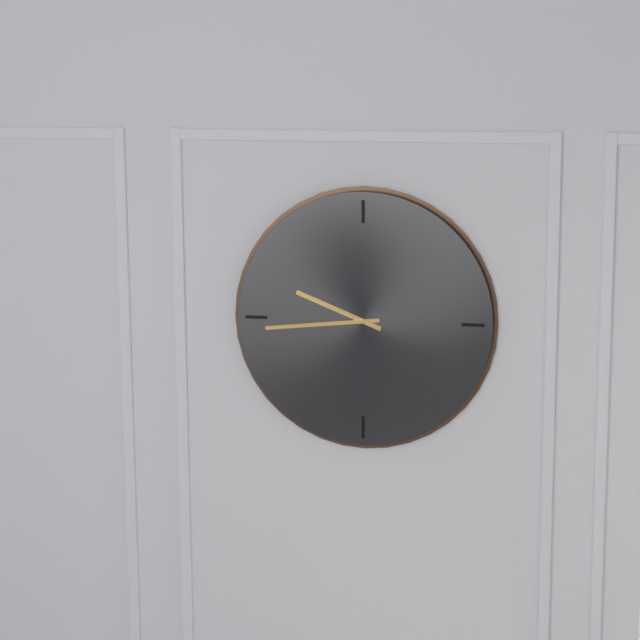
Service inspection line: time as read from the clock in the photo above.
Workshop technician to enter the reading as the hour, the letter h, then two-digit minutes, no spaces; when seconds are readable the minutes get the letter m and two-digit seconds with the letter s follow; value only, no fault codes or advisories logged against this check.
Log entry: 9h44
